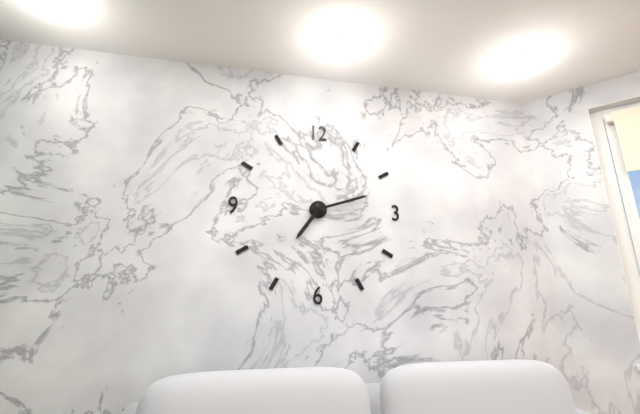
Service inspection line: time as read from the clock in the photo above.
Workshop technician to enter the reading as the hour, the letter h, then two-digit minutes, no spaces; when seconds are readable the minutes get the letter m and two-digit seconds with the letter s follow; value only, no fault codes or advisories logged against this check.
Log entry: 7h12
